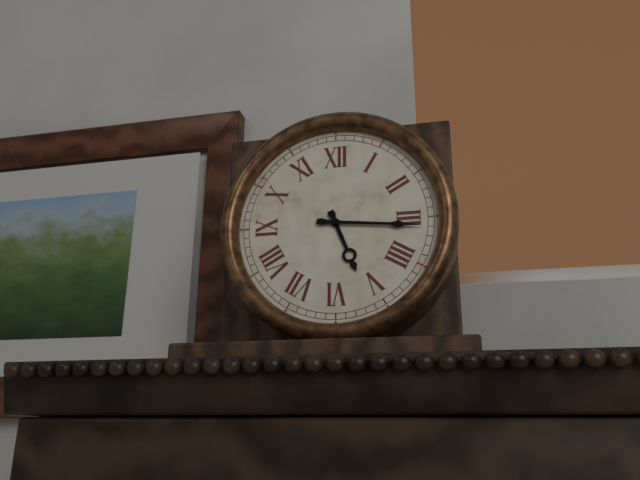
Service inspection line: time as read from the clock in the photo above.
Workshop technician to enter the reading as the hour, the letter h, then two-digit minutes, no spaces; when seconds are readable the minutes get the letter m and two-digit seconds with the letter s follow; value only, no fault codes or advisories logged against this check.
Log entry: 5h16
